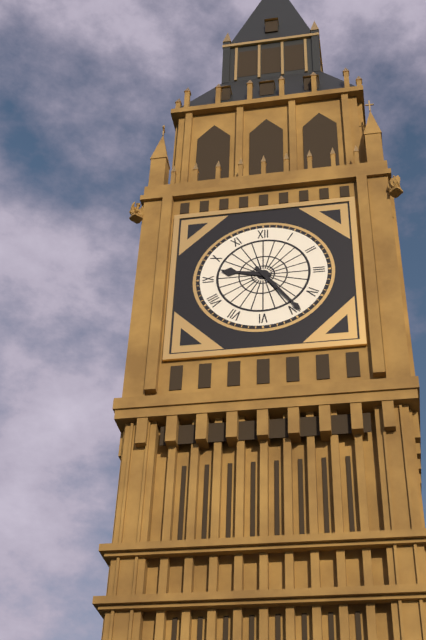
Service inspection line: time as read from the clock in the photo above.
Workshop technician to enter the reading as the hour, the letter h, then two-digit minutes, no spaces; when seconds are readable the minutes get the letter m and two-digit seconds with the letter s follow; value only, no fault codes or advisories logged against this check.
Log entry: 9h24
